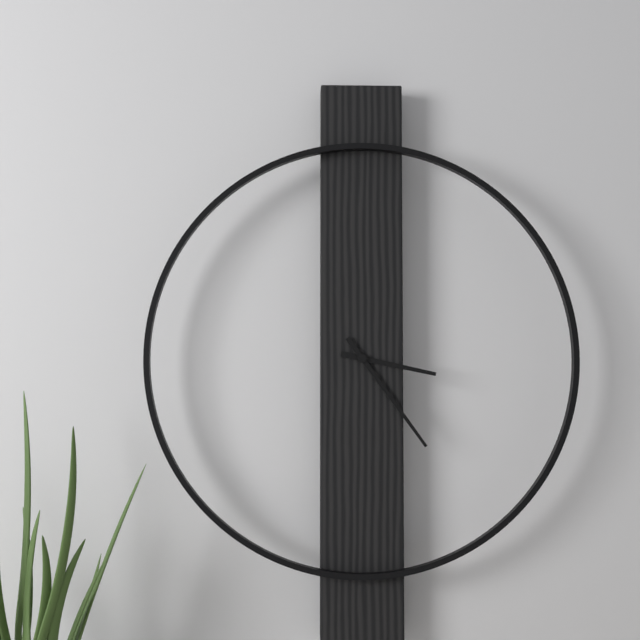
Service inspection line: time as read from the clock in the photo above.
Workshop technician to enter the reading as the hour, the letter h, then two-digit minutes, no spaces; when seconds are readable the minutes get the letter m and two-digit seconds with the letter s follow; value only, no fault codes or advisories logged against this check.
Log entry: 3h24
